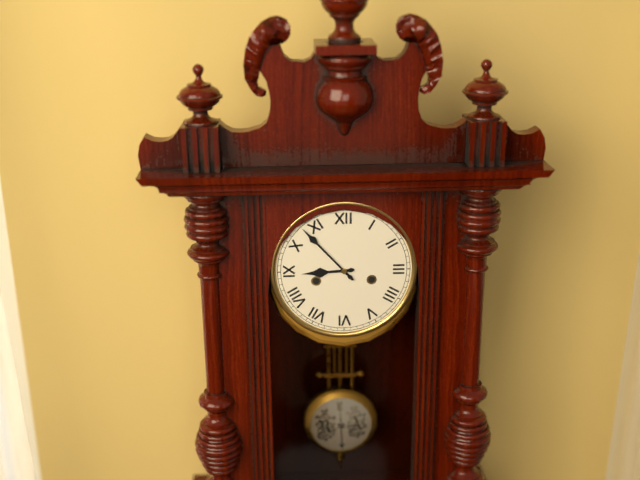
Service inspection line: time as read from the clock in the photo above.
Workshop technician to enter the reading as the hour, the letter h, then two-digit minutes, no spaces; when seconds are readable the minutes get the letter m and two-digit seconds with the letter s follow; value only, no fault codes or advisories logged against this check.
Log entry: 8h53
